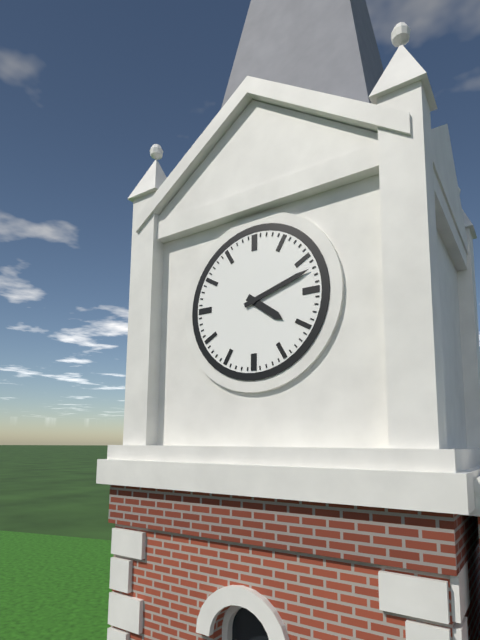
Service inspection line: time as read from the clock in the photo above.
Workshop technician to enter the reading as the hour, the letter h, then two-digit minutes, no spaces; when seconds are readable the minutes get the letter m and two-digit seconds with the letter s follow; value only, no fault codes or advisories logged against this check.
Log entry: 4h12
